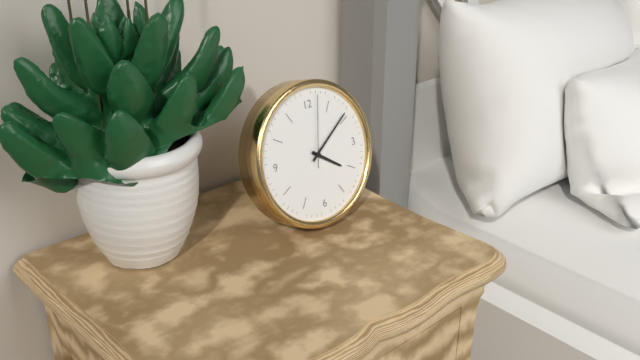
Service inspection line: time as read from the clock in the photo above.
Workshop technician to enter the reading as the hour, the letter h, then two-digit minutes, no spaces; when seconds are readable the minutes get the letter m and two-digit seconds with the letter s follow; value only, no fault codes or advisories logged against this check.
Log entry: 4h09m02s
